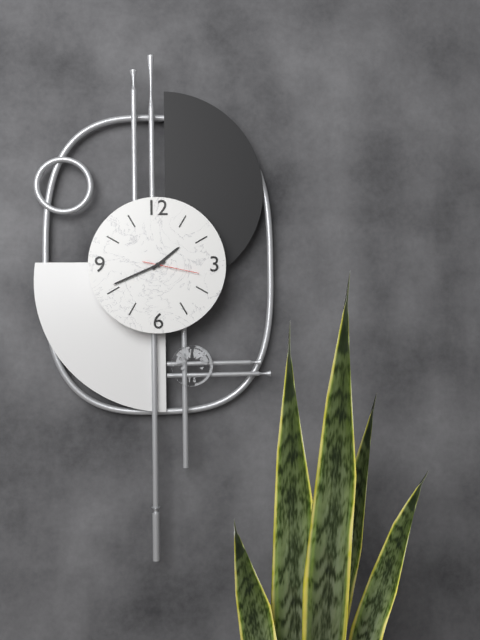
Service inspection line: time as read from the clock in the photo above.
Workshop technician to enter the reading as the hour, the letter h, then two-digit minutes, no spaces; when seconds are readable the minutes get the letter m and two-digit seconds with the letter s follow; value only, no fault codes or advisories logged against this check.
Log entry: 1h41m17s
